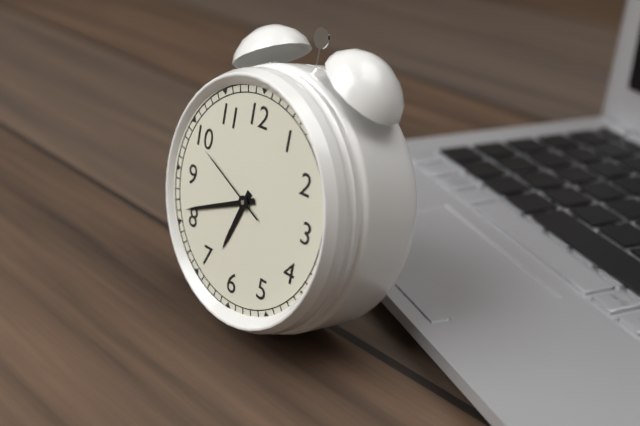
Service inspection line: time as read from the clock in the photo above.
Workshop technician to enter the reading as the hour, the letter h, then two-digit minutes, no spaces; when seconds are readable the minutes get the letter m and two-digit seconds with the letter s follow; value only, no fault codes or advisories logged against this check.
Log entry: 6h41m49s
